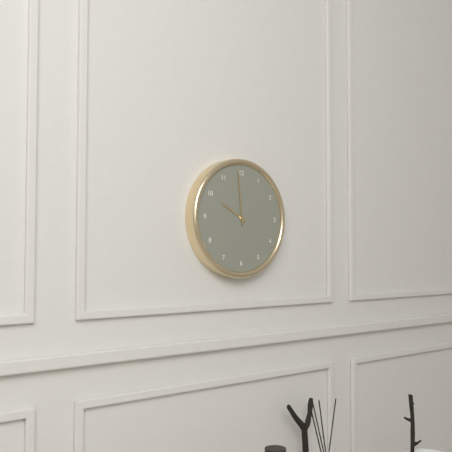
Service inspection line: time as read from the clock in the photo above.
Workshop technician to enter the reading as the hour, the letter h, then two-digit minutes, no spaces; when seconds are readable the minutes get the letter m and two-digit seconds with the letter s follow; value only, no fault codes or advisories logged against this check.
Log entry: 9h59
